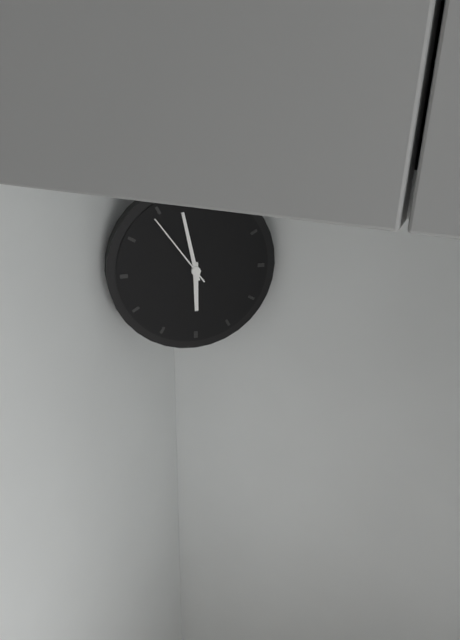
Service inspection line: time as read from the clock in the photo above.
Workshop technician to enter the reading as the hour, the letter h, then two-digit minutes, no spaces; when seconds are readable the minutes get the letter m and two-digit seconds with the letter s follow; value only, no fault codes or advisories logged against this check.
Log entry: 5h58m54s
